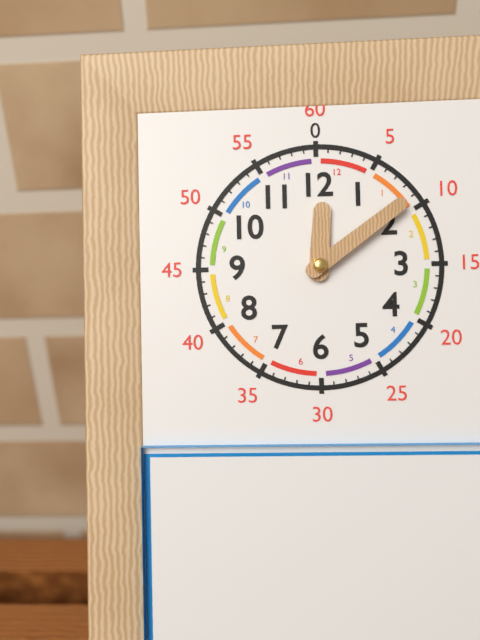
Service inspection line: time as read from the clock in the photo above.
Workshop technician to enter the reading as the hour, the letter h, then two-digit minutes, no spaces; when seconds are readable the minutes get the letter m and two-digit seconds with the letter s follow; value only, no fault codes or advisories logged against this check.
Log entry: 12h09
